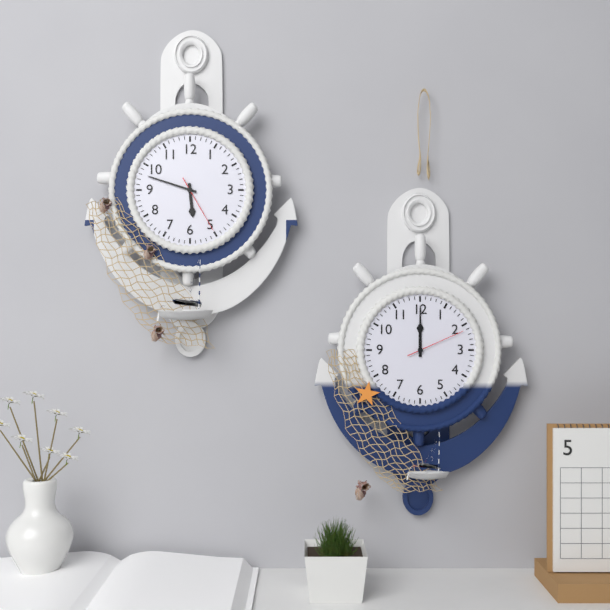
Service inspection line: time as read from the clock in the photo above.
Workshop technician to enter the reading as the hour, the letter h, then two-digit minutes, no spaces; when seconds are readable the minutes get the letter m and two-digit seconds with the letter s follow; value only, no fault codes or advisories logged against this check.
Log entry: 5h48m25s
